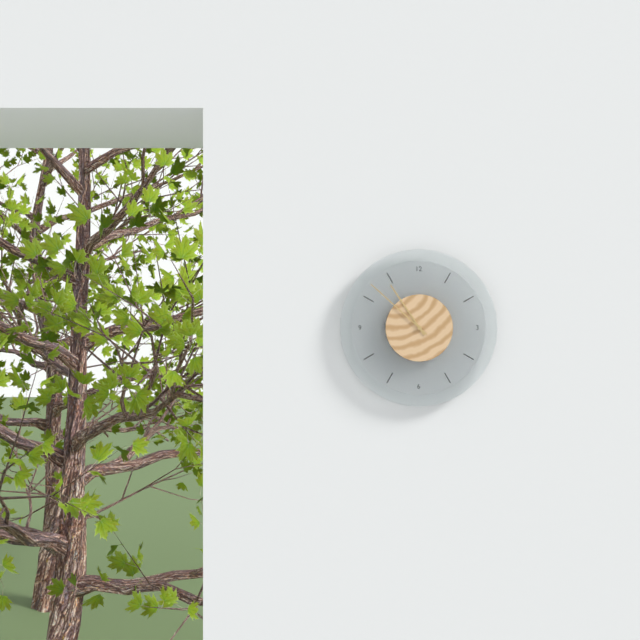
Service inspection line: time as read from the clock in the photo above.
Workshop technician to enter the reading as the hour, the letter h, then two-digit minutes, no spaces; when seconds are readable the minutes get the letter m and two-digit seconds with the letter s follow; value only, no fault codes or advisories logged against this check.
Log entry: 10h52
